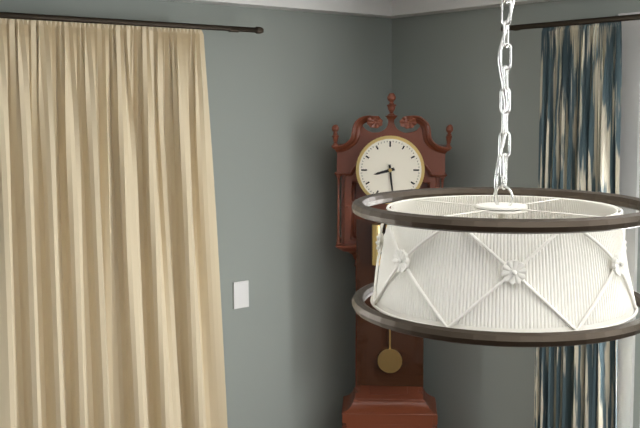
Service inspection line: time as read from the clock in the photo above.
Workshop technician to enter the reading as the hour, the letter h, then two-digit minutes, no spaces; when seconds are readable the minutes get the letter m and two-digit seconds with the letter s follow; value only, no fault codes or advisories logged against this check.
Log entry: 8h29
